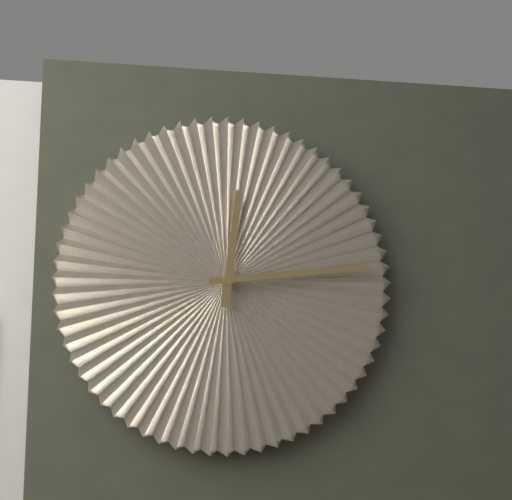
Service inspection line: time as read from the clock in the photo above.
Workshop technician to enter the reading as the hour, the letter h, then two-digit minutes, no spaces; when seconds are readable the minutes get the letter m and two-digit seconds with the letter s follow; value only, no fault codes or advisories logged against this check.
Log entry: 12h14
